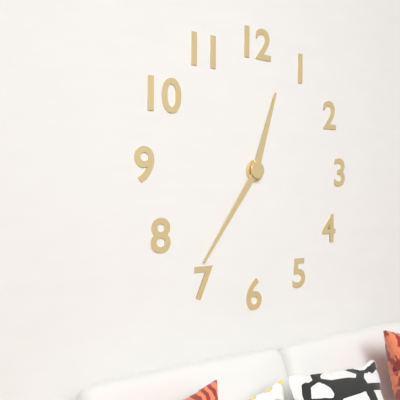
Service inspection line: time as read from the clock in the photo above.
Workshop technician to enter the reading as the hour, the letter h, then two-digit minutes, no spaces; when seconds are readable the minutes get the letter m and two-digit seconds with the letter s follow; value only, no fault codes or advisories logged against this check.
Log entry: 12h36
